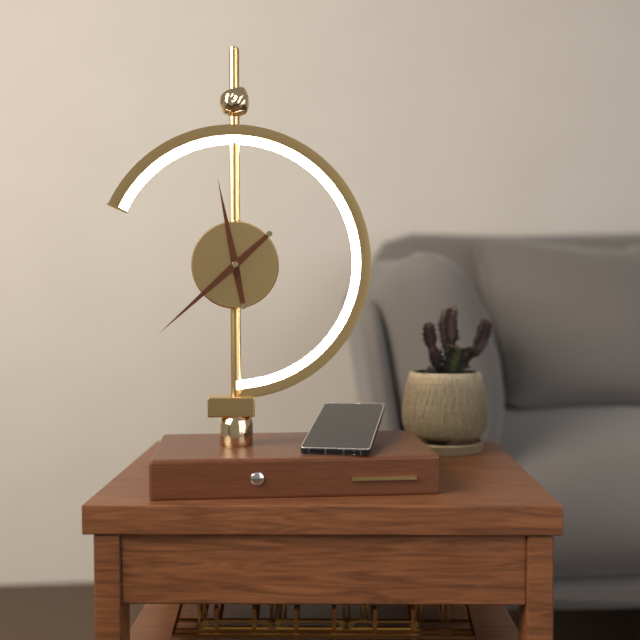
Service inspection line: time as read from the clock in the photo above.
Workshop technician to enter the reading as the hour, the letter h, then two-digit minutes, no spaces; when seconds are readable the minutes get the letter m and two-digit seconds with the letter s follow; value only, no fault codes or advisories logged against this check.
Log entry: 11h38
